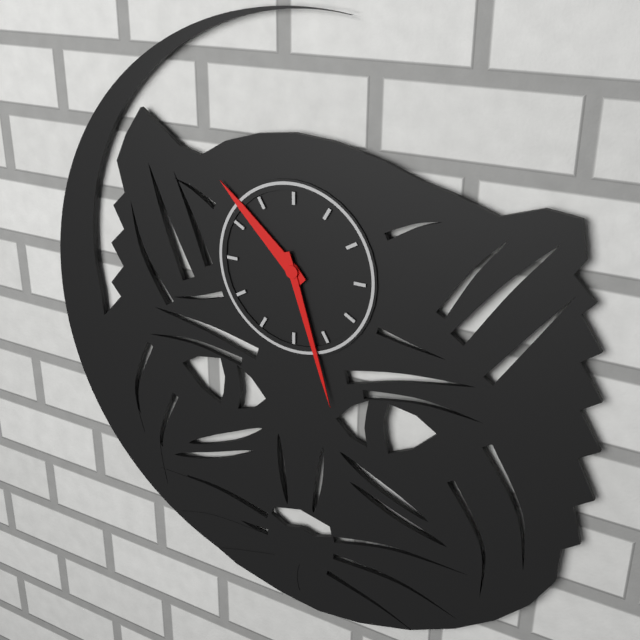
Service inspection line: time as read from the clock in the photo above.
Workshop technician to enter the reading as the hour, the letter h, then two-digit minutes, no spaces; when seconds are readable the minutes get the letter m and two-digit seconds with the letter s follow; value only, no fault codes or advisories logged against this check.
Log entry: 10h27
